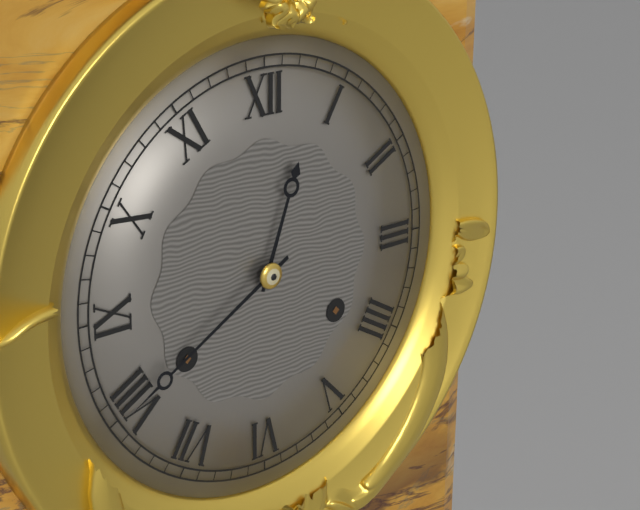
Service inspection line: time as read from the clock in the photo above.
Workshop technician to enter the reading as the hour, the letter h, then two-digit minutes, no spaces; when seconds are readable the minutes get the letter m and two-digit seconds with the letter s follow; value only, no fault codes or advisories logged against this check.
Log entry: 12h40
